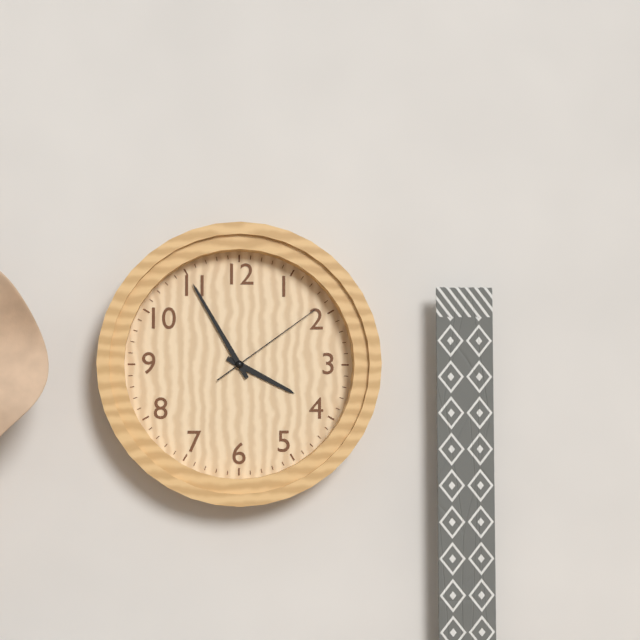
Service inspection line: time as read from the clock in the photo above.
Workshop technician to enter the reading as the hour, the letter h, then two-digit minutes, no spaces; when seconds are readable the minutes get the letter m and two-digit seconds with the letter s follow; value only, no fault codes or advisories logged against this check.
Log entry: 3h55m09s
